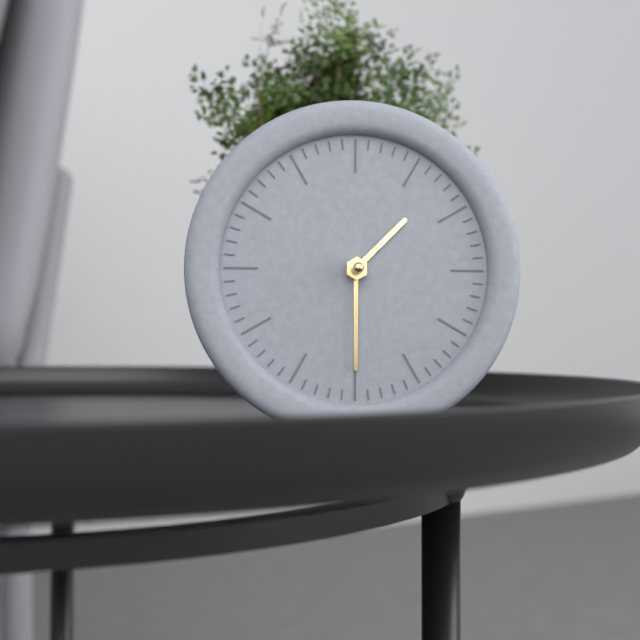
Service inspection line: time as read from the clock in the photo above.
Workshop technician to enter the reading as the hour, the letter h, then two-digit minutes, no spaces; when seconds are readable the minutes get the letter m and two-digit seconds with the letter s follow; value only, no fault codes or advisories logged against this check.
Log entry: 1h30
